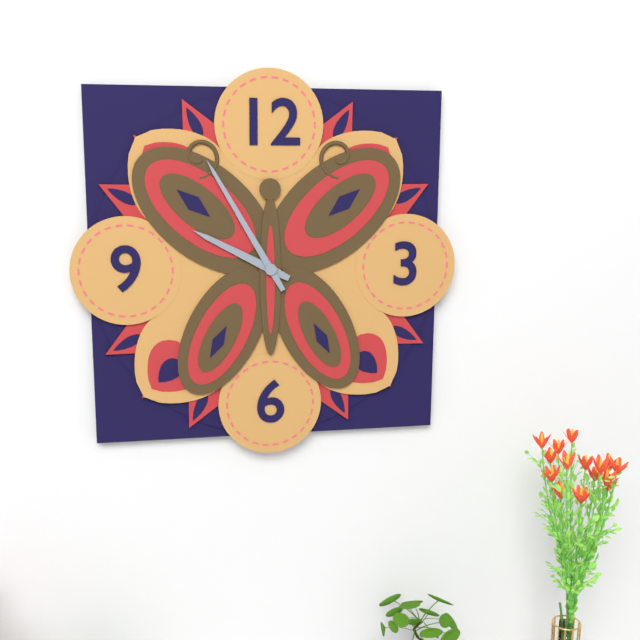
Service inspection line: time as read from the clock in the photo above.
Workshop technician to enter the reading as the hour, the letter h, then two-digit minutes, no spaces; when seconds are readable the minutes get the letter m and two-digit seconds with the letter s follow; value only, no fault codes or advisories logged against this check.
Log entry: 9h55
